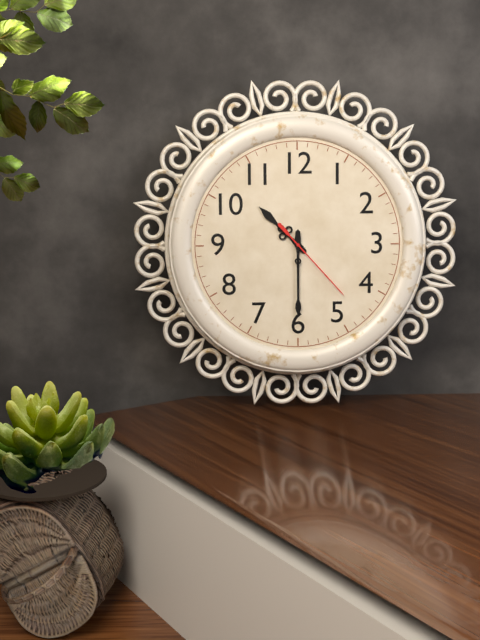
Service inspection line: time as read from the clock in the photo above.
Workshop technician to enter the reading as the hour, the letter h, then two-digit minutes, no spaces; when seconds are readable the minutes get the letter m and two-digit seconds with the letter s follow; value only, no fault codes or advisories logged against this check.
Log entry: 10h30m23s
